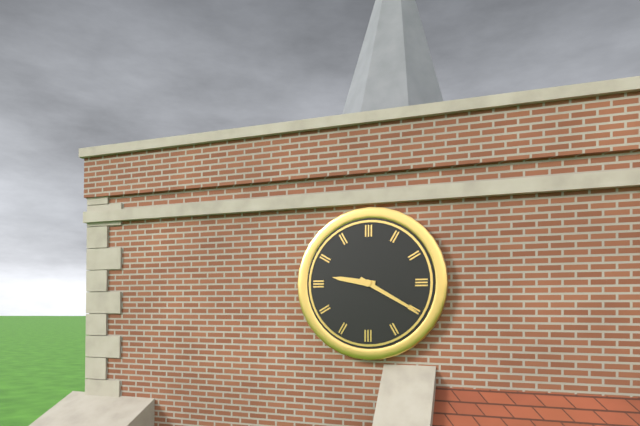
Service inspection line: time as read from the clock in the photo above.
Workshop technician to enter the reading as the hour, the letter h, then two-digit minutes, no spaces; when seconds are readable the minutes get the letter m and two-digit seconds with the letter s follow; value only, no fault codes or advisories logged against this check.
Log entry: 9h20
